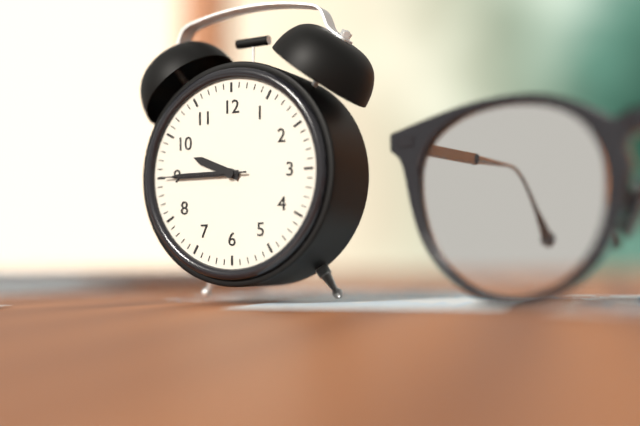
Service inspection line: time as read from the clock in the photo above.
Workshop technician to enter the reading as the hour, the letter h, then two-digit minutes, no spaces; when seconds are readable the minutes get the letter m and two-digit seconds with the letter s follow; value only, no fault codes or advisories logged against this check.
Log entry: 9h45m45s
